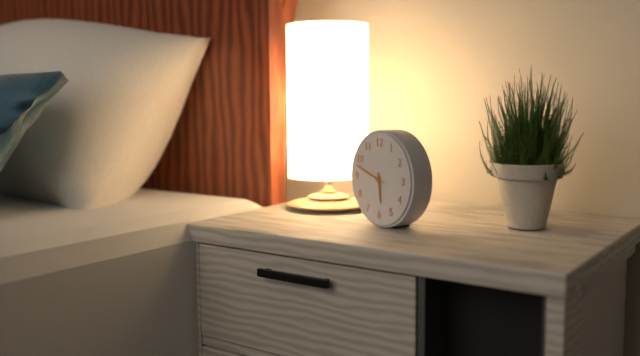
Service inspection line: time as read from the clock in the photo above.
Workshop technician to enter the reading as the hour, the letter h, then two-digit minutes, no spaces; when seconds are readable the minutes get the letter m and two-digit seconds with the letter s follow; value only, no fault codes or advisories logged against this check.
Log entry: 5h48
